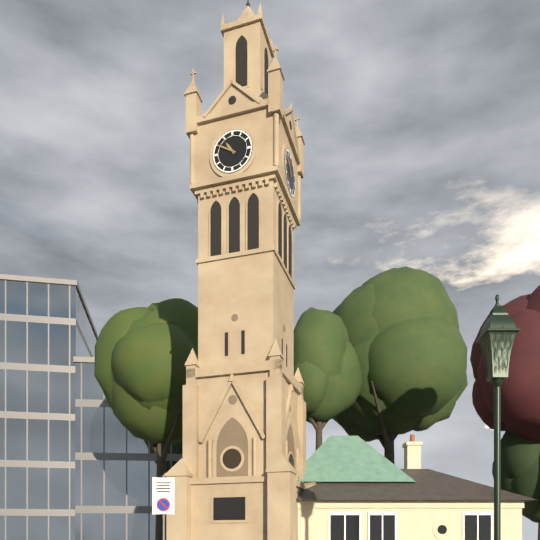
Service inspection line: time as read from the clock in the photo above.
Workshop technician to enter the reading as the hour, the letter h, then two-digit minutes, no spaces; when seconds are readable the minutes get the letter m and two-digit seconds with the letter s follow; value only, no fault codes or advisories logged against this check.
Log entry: 10h50
